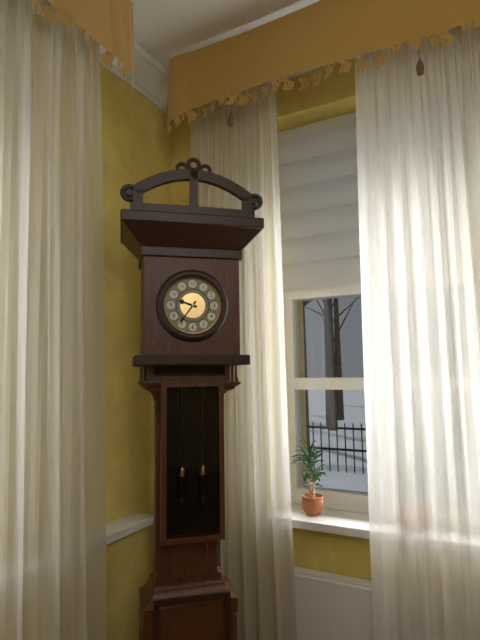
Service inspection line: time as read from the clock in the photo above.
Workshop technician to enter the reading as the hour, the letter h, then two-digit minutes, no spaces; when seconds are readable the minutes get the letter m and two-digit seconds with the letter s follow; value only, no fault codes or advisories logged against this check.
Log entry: 9h36
